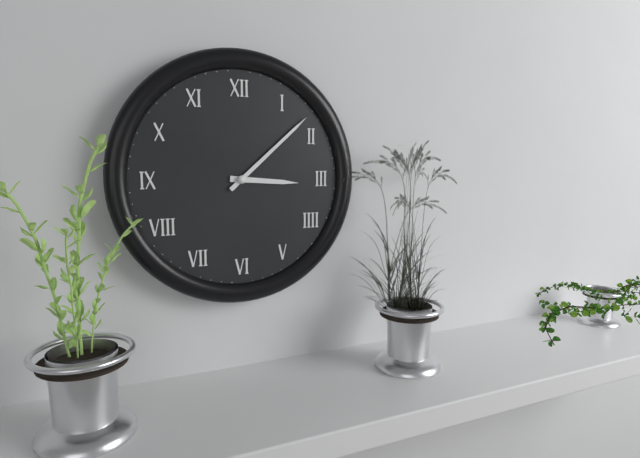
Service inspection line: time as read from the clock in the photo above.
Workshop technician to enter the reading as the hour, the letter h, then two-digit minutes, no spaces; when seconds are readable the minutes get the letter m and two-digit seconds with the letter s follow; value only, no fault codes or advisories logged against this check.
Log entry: 3h08
